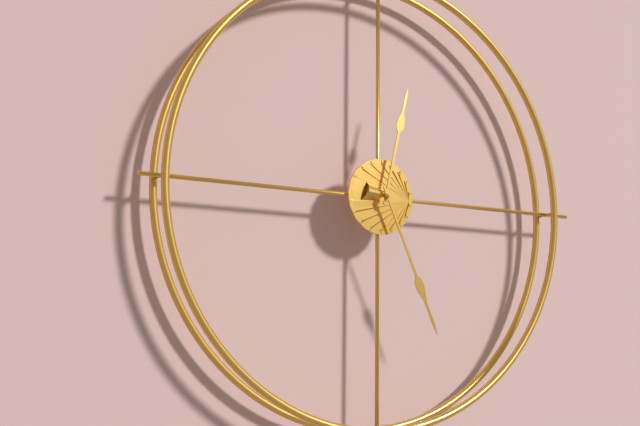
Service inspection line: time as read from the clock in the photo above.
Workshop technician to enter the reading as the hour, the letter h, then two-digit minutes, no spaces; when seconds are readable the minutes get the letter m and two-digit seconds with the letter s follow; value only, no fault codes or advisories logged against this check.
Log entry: 12h26
